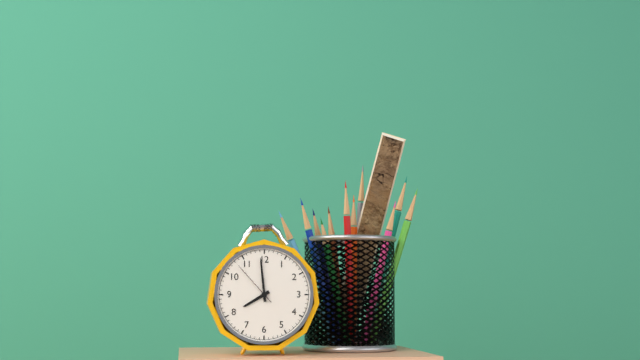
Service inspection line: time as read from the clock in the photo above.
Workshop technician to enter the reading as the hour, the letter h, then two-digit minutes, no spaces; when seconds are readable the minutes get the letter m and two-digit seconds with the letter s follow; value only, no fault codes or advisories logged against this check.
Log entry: 7h59m53s
